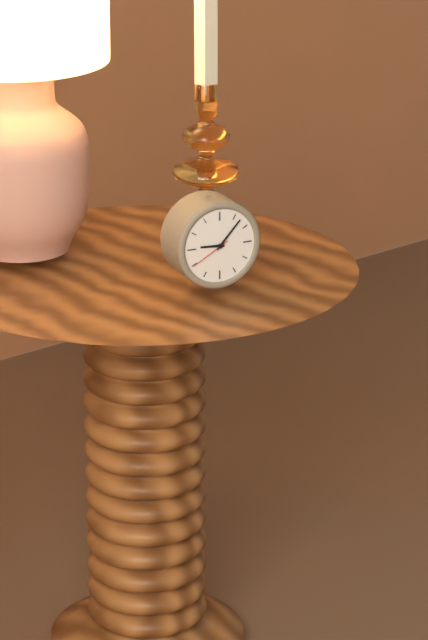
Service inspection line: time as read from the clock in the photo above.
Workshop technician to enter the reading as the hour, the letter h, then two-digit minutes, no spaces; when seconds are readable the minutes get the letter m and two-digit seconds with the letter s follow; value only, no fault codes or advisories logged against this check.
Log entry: 9h07
